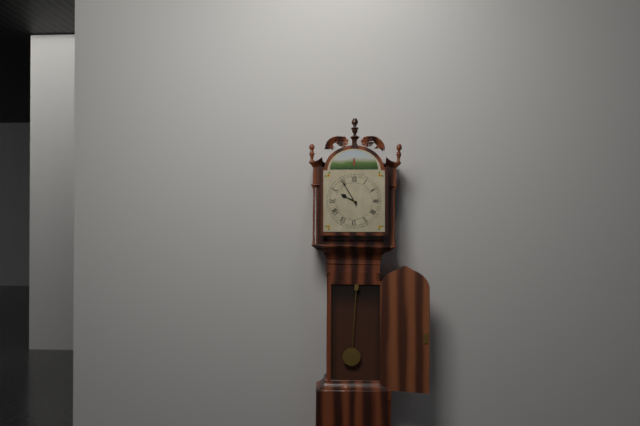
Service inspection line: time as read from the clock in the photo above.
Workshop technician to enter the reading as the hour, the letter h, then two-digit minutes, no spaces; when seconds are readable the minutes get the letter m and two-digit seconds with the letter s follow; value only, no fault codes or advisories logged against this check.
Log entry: 9h55
